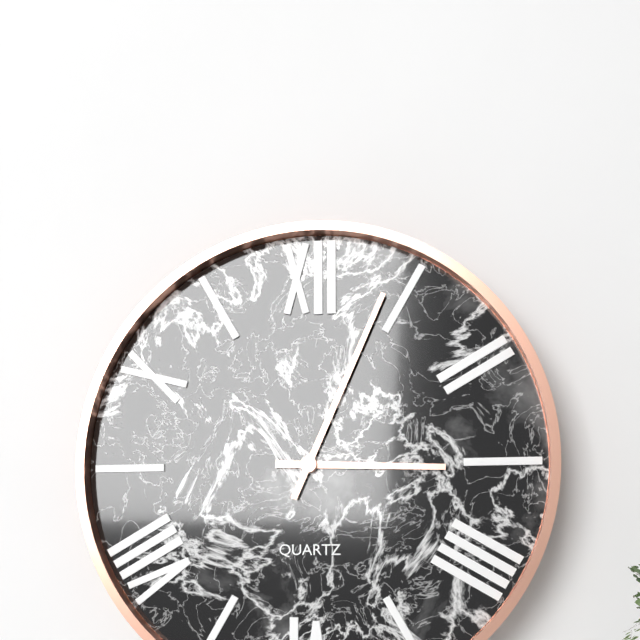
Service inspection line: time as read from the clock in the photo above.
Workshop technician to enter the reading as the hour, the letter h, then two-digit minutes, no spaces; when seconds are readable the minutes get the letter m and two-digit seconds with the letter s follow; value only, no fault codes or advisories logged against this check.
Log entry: 3h04
